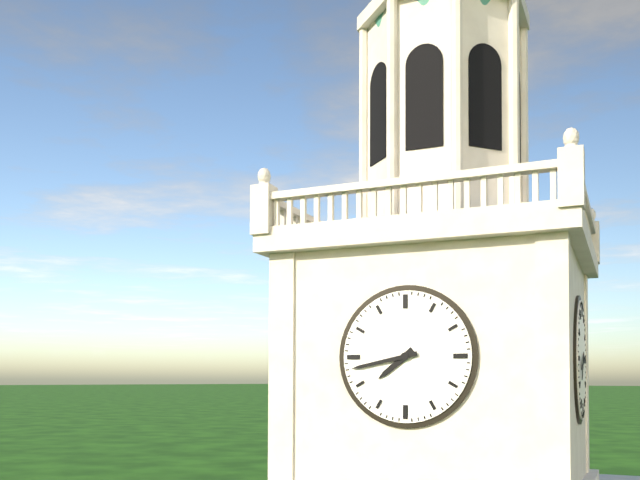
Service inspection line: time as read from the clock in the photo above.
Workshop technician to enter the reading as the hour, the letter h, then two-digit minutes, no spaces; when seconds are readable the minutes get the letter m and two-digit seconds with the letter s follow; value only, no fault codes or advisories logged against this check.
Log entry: 7h43
